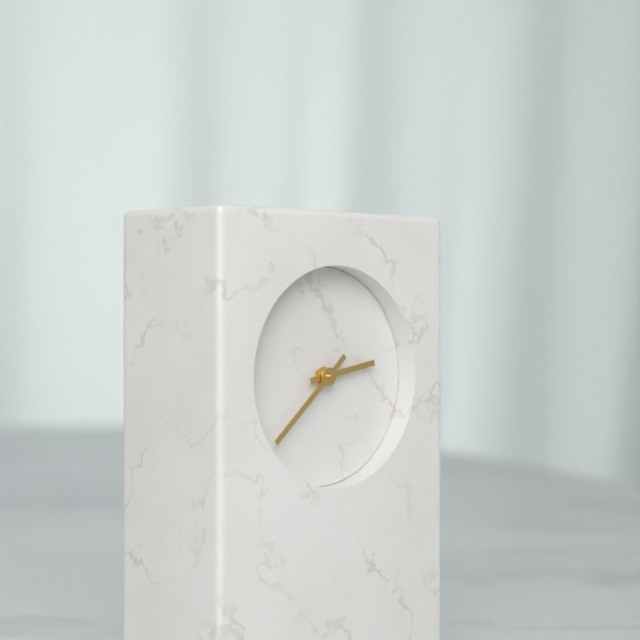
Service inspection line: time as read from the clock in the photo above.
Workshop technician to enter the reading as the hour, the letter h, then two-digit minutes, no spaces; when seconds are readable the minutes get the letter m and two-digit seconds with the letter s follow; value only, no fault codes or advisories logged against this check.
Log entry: 2h38
